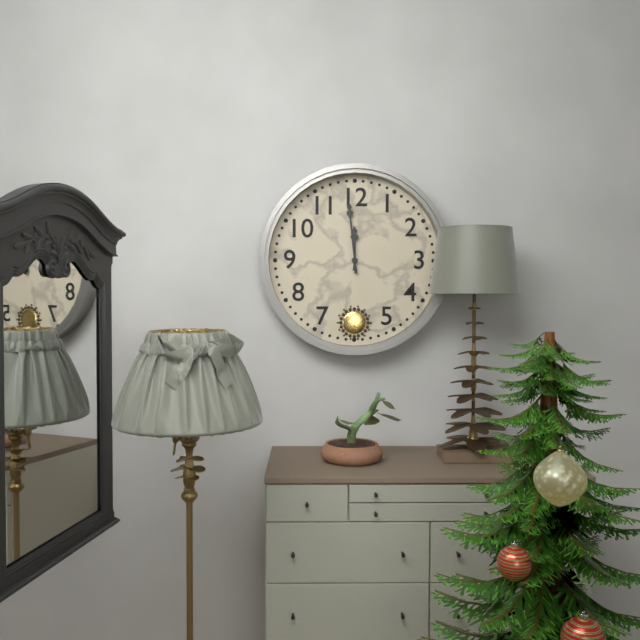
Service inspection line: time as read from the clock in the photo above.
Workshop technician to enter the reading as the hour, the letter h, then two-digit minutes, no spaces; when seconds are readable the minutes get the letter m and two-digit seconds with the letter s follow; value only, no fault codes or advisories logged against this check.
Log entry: 11h59
